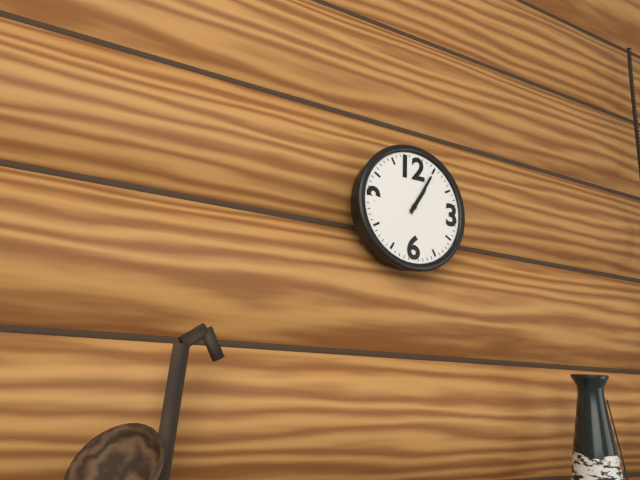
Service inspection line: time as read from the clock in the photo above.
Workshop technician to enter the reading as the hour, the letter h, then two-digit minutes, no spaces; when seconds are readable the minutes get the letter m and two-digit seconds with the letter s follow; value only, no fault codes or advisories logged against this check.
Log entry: 1h05
